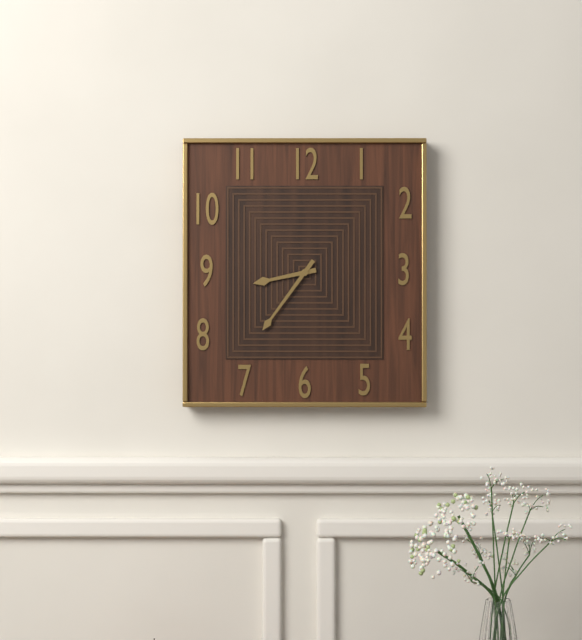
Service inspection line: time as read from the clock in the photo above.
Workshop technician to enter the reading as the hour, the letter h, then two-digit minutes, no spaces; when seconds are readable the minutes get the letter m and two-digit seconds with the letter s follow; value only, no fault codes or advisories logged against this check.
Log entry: 8h36
